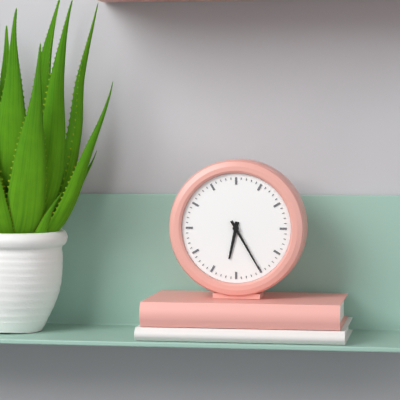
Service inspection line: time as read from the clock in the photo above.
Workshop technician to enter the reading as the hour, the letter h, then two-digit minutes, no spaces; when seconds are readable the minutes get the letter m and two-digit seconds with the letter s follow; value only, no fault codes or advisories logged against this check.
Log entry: 6h25
